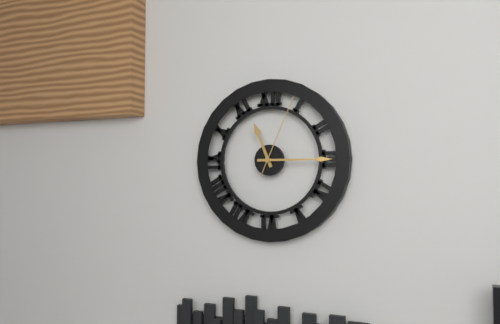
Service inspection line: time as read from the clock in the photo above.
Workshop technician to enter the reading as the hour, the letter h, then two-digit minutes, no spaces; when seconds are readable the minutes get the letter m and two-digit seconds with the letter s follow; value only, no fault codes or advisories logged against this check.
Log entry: 11h15m04s
